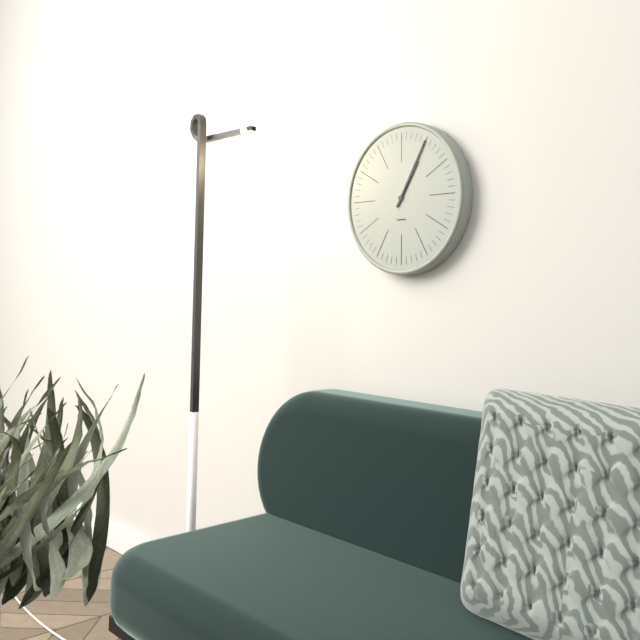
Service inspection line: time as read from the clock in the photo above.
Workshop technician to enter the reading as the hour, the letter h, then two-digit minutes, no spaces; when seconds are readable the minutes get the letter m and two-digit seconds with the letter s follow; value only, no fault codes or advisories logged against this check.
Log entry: 1h05
